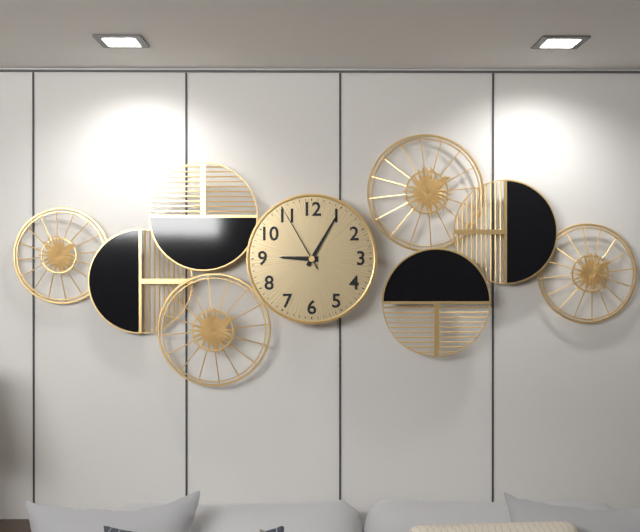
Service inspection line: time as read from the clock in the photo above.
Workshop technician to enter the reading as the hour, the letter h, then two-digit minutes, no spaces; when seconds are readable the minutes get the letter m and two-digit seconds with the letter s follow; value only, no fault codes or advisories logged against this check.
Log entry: 9h05m55s
